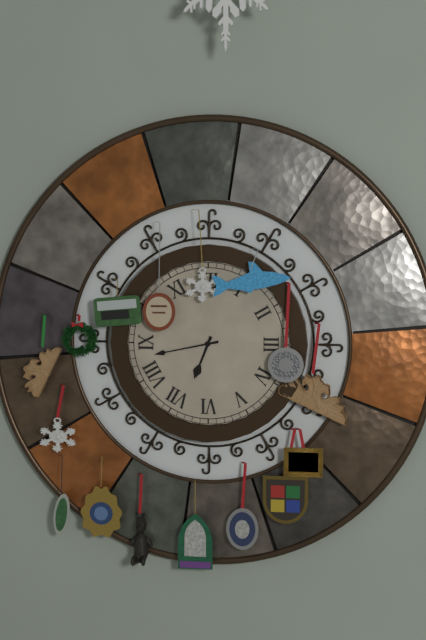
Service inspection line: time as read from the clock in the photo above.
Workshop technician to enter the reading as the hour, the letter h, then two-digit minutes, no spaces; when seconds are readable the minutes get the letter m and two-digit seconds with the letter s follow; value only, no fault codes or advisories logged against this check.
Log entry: 6h43
